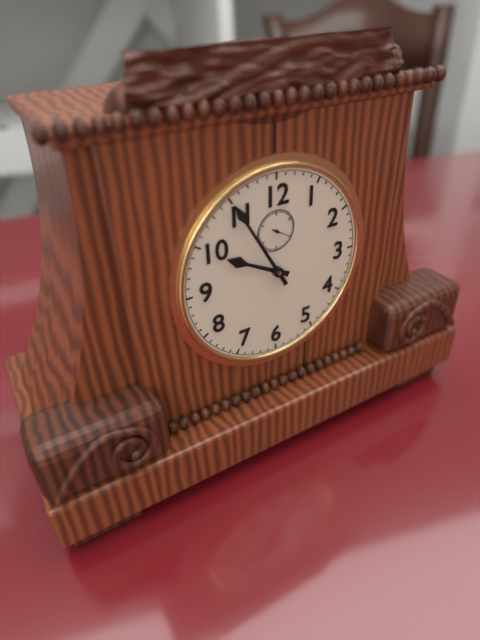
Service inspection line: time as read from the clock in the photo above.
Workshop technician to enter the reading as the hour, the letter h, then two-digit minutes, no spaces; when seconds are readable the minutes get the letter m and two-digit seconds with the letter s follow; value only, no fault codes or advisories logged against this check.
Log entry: 9h55
